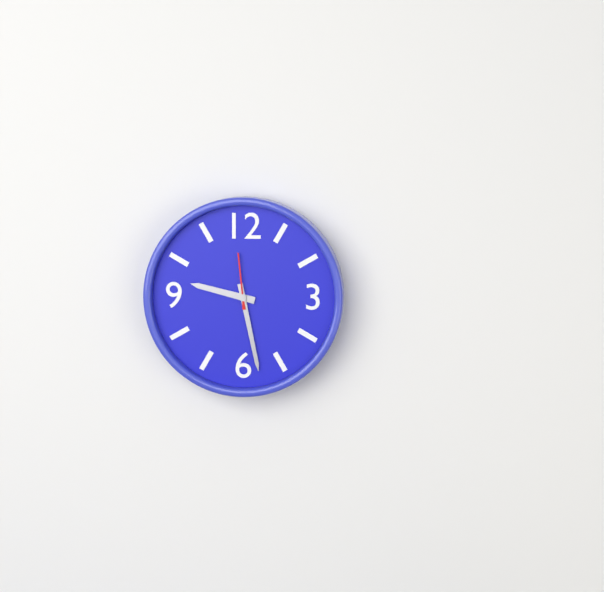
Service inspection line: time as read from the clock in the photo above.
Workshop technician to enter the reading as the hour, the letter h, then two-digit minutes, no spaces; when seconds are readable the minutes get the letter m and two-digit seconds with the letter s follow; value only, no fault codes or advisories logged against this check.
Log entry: 9h28m59s
